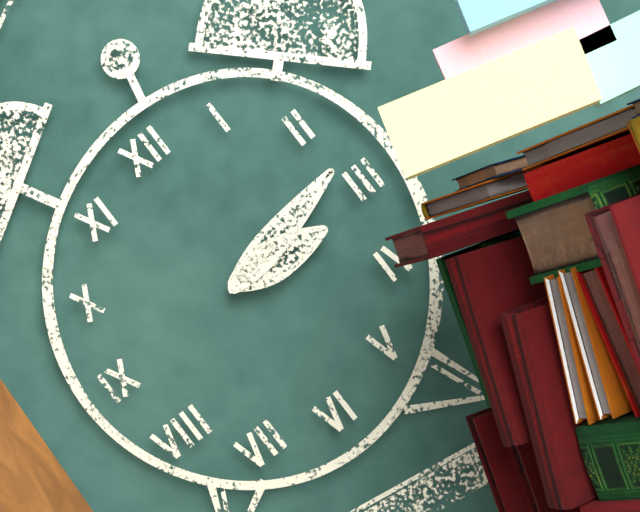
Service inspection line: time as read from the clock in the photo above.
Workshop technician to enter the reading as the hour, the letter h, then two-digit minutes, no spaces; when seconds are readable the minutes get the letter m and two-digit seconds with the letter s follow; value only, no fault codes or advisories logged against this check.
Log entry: 3h13
